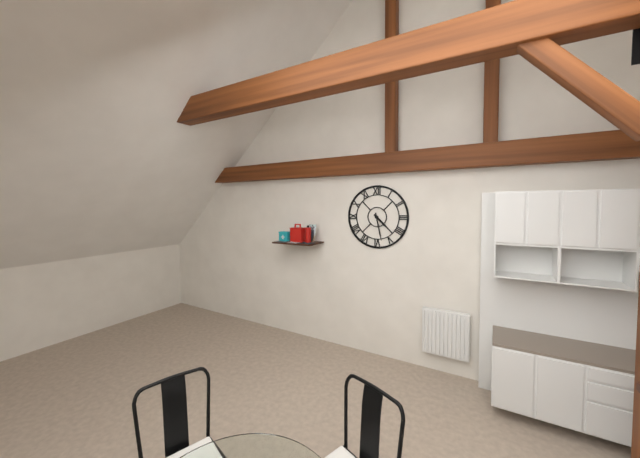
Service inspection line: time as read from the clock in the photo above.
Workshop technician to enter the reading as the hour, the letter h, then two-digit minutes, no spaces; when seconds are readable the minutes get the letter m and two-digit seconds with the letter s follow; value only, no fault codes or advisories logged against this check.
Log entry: 4h28
